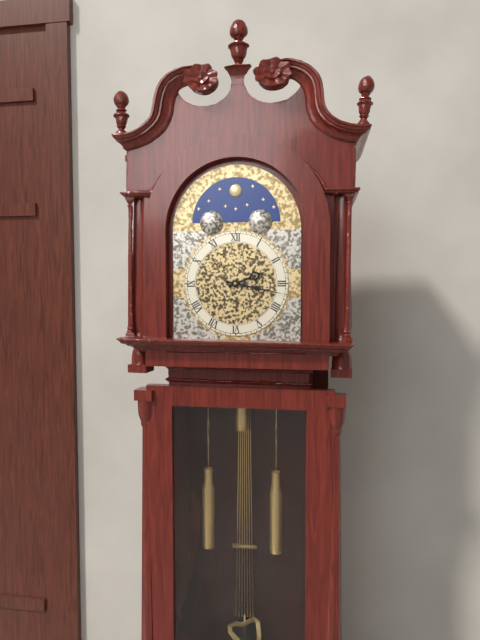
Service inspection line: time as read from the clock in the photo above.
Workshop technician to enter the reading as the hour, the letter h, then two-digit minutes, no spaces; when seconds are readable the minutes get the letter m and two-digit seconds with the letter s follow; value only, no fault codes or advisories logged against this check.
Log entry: 2h17
